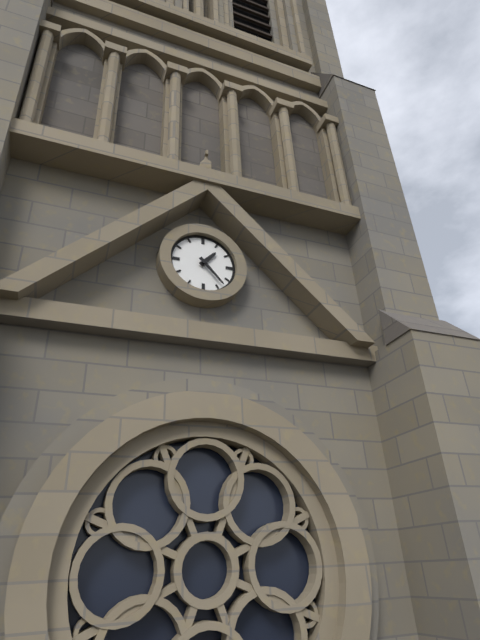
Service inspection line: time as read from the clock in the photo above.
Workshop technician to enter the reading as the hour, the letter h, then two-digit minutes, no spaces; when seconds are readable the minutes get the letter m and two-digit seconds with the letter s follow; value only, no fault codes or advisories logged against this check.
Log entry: 1h23
